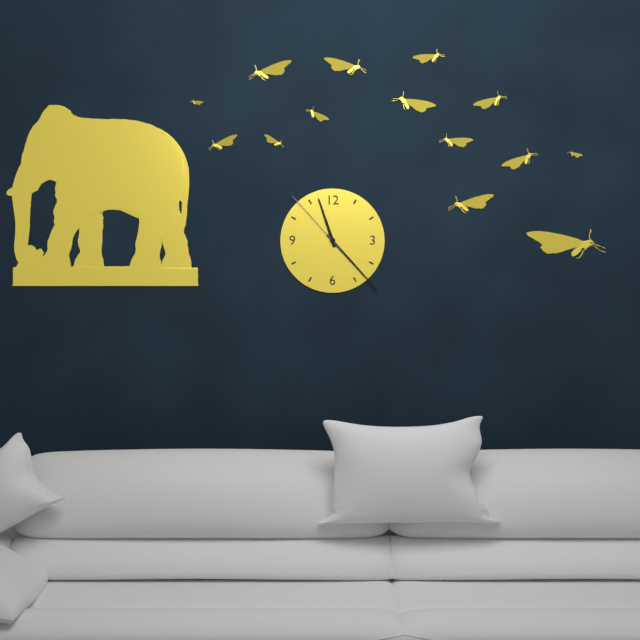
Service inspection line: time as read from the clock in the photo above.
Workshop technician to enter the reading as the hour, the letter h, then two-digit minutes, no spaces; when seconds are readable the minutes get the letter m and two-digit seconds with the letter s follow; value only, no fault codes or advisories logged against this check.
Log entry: 11h23m53s
